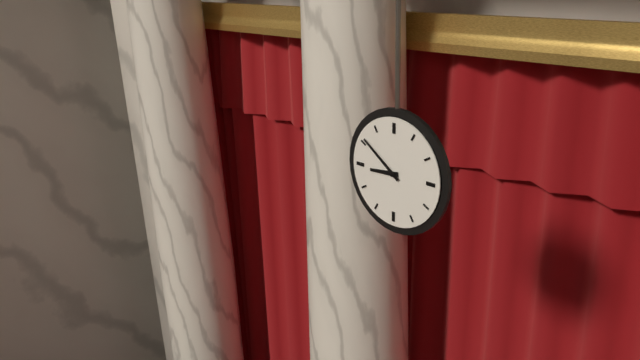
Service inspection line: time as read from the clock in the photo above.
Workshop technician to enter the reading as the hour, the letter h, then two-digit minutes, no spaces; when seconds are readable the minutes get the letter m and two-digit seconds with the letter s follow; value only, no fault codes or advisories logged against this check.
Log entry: 8h51
